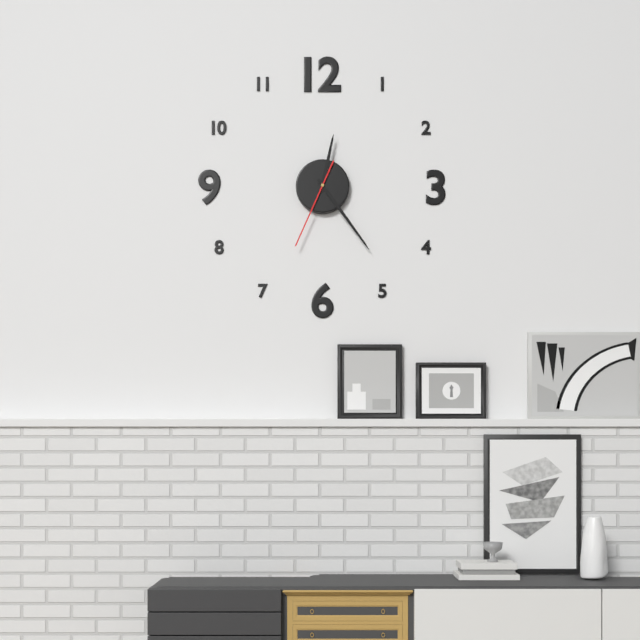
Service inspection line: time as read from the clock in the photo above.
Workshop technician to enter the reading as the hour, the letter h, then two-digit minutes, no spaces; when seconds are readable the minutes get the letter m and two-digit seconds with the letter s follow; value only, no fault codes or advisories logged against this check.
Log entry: 12h24m34s
